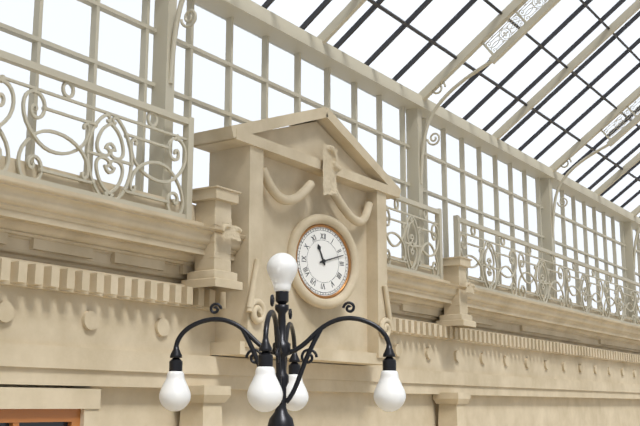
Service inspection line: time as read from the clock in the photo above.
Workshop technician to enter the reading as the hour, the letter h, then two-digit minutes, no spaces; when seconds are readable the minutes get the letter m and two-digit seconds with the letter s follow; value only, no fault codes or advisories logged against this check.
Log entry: 11h12
